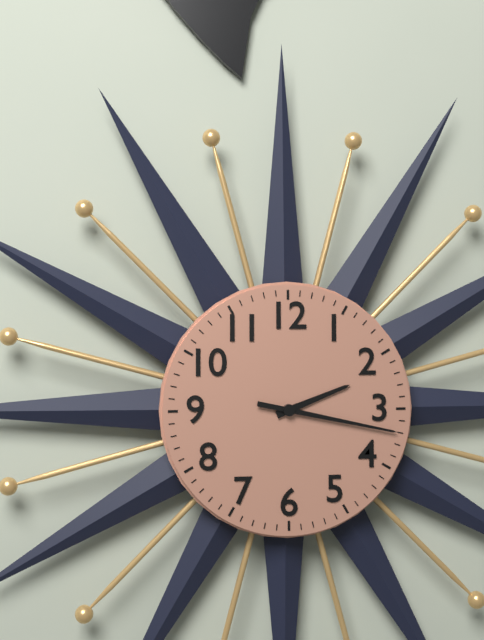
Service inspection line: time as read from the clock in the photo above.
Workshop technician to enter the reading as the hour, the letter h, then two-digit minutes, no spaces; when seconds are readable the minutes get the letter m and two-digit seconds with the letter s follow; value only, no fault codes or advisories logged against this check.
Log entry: 2h17
